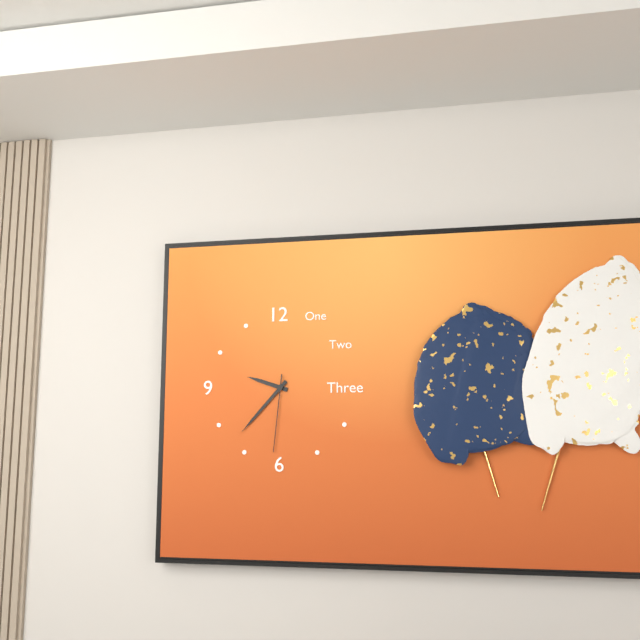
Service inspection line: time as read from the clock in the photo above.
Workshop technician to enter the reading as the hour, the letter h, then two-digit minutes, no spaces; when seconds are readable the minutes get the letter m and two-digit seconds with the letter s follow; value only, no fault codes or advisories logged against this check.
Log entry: 9h37m31s
